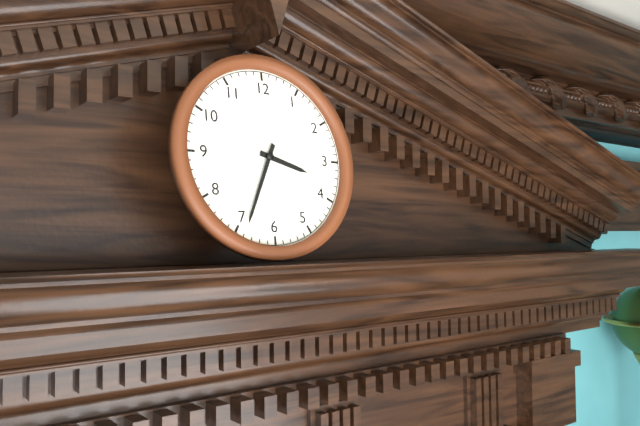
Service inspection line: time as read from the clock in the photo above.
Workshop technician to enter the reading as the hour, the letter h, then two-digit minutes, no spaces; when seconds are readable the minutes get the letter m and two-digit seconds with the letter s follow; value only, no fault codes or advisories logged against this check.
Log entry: 3h34
